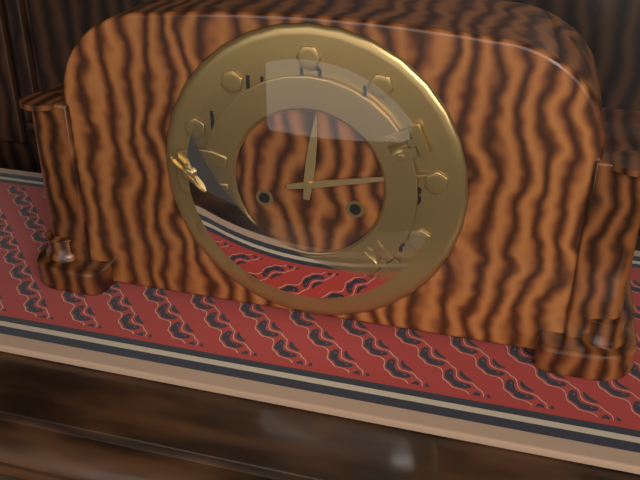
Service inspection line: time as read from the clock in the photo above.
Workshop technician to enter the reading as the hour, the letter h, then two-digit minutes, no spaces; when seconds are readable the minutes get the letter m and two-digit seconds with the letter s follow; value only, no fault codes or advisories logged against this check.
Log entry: 12h13
